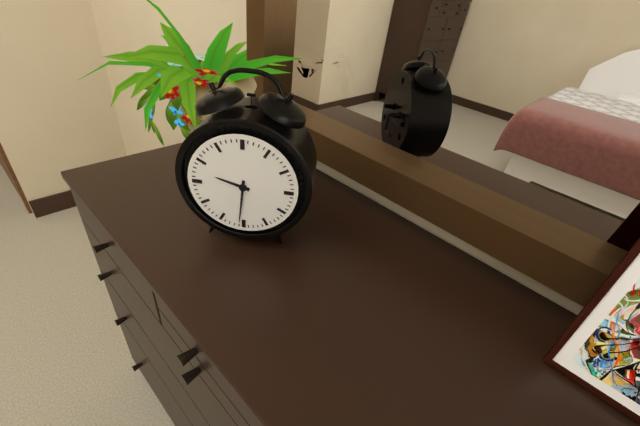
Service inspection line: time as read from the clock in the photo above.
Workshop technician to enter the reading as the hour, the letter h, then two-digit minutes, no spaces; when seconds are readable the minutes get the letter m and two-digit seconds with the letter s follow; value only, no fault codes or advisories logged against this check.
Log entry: 9h31
